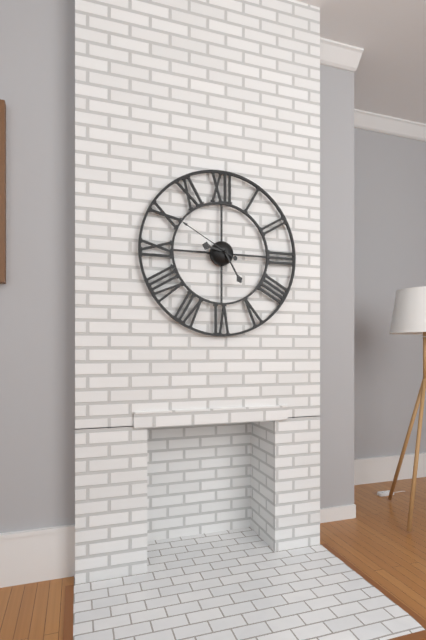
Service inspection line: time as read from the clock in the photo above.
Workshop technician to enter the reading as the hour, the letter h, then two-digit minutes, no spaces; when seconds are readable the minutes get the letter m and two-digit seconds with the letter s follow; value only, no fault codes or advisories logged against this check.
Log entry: 9h25m50s
